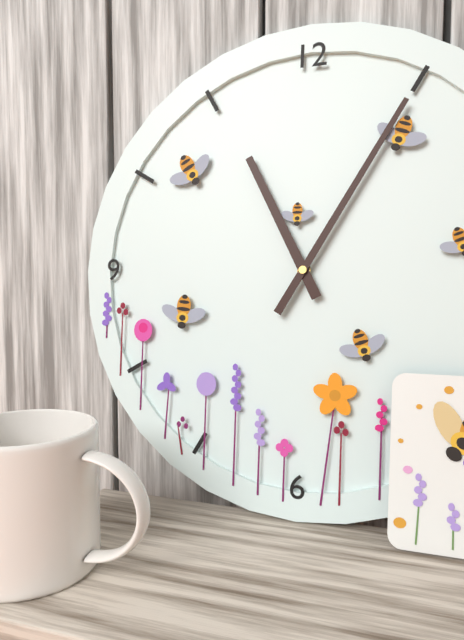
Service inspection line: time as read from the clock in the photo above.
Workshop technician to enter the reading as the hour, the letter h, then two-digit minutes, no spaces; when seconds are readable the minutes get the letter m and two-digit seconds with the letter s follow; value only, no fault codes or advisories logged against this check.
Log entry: 11h05
